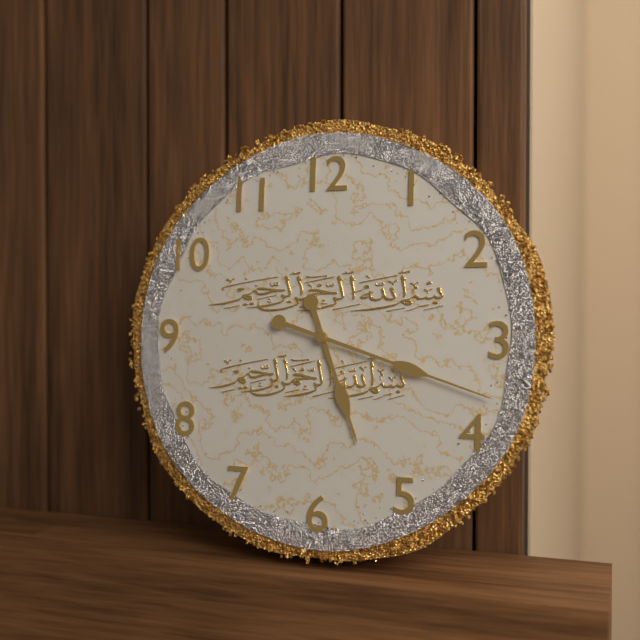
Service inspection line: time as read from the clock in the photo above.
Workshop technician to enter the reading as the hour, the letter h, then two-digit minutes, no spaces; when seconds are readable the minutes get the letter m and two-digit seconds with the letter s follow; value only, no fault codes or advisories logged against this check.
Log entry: 5h18
